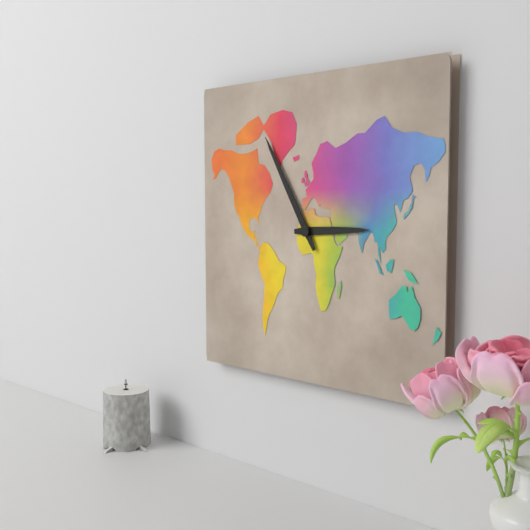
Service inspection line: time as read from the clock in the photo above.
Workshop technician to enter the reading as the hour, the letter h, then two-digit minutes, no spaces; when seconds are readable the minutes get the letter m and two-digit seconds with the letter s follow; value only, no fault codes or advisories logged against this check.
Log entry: 2h55
